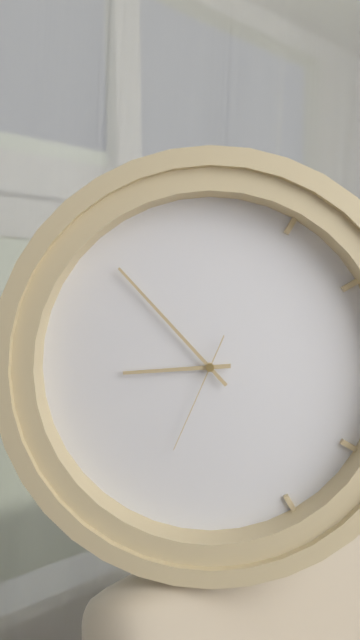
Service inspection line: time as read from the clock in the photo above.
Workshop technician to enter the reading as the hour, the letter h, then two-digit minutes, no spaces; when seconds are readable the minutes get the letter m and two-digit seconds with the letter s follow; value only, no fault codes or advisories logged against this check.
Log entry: 8h53m34s
